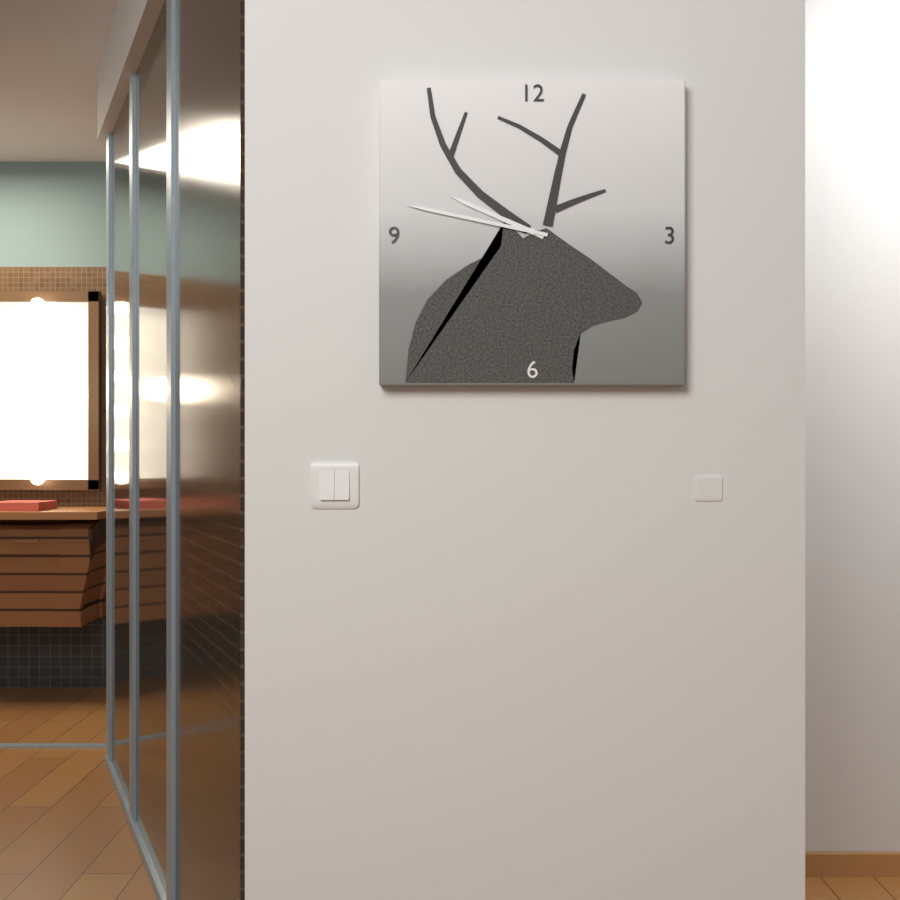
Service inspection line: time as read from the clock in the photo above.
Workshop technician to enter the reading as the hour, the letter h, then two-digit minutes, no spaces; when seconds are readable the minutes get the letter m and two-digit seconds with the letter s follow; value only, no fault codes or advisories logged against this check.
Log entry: 9h47
